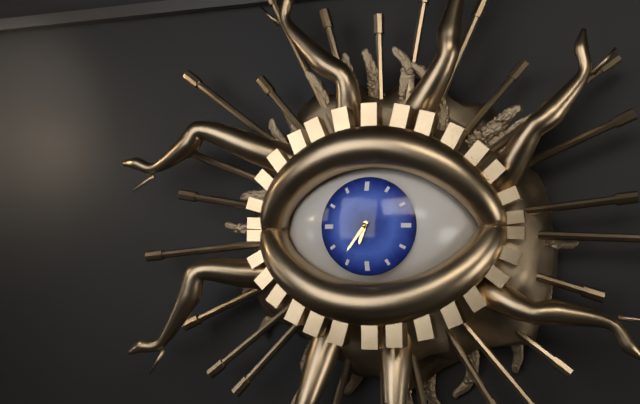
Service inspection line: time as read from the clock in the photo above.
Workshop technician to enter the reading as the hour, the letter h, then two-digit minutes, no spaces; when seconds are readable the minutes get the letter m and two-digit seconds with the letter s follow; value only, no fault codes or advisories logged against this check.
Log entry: 6h36
